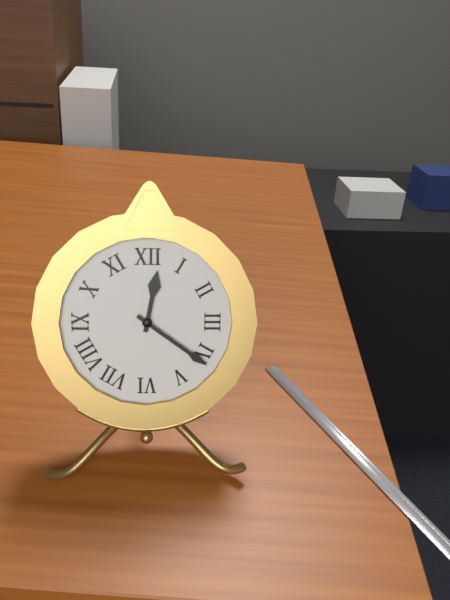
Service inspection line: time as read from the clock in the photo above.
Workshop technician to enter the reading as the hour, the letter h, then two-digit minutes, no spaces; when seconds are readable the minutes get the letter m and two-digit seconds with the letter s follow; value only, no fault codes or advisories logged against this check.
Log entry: 12h21
